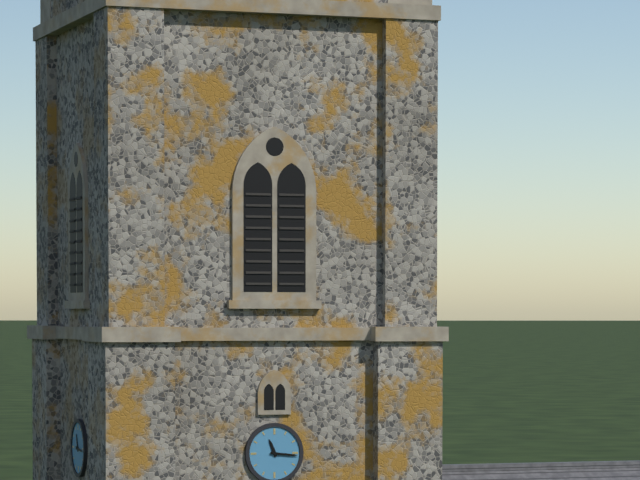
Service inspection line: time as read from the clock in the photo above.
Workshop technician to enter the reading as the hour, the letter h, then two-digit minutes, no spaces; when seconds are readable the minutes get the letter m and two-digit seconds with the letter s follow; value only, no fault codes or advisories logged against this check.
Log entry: 11h16
